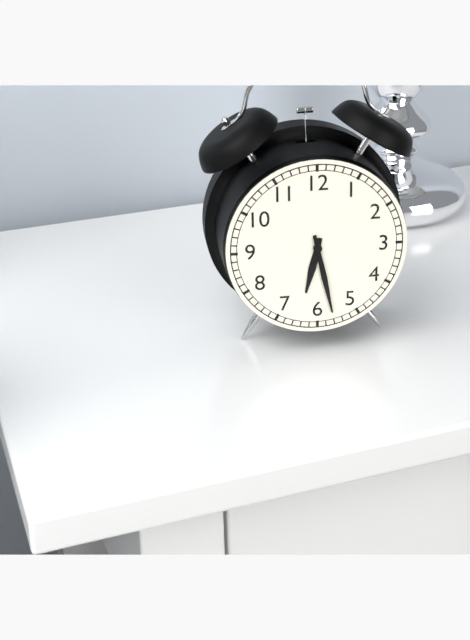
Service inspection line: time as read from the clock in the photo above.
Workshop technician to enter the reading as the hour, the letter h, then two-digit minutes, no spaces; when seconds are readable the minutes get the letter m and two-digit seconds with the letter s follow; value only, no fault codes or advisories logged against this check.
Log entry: 6h28
